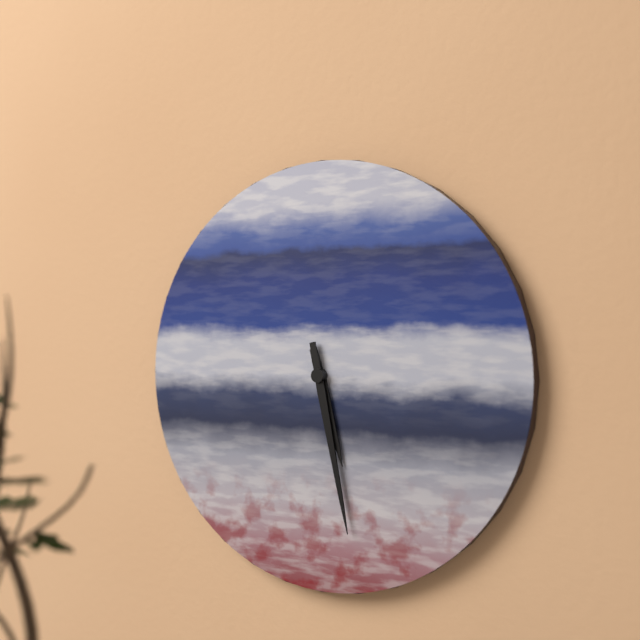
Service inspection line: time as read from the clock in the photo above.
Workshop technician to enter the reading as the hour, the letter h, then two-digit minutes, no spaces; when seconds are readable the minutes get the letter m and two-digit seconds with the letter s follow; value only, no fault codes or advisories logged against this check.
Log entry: 5h28
